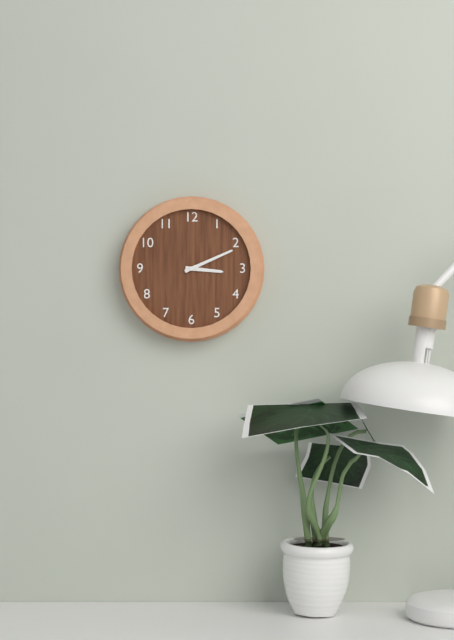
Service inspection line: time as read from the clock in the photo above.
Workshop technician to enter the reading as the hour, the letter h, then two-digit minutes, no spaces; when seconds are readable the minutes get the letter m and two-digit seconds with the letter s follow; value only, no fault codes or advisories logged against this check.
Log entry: 3h11
